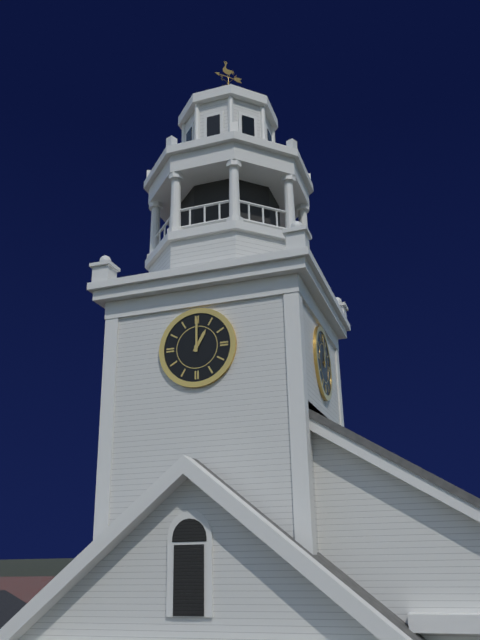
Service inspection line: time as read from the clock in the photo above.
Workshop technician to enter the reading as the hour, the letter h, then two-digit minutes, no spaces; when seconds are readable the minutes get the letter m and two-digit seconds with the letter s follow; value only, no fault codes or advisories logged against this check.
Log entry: 1h00
